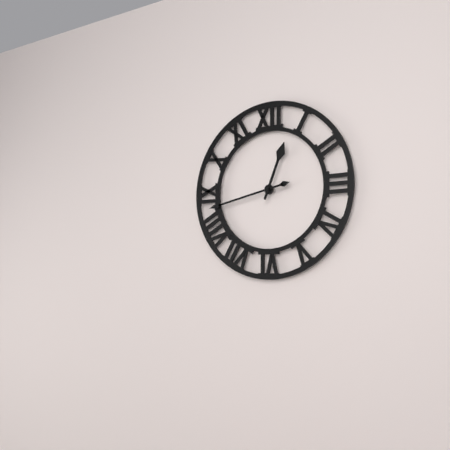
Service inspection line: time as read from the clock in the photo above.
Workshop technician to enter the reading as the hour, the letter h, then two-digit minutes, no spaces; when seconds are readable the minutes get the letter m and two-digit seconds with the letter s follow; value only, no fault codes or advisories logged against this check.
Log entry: 12h43
